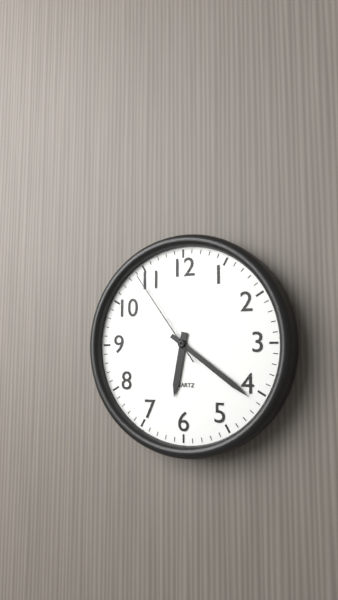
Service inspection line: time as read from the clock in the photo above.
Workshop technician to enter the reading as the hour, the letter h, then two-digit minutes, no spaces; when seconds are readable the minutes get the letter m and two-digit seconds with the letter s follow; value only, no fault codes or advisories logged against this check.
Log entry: 6h21m54s
